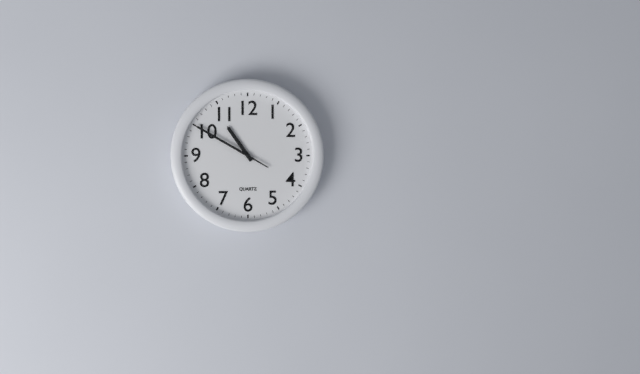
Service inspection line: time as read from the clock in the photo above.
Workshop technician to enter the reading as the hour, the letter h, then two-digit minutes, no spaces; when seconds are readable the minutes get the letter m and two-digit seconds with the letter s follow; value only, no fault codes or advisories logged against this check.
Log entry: 10h50
